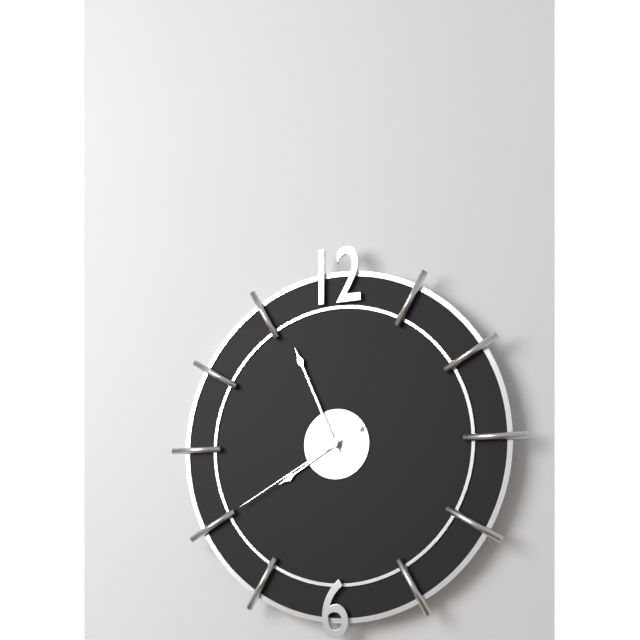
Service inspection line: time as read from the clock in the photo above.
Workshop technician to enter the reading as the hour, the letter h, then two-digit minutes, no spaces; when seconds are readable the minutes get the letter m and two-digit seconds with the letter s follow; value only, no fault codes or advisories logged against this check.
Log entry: 7h56m40s
